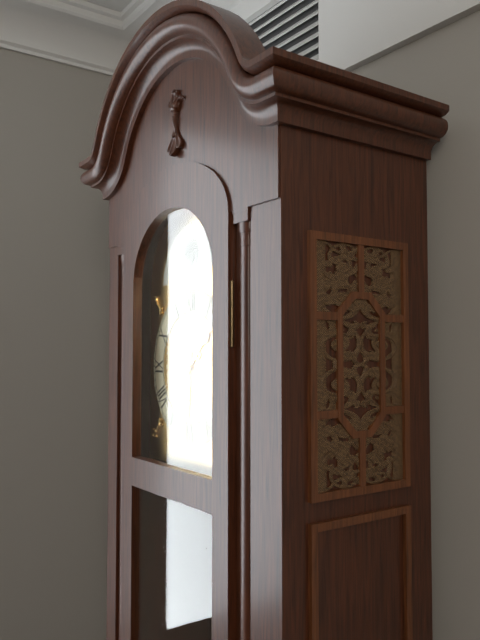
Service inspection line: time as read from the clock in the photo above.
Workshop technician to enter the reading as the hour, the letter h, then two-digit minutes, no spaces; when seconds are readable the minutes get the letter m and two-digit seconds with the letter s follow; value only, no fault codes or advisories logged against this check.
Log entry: 1h31
